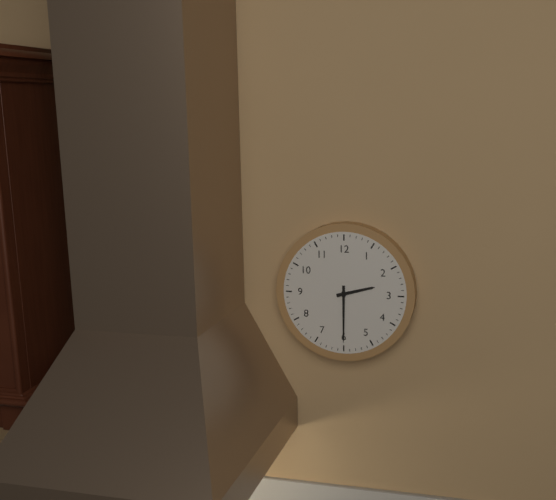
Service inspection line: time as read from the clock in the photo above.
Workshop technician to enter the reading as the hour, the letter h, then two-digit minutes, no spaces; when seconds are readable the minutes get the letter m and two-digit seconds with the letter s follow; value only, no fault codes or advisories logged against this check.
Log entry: 2h30
